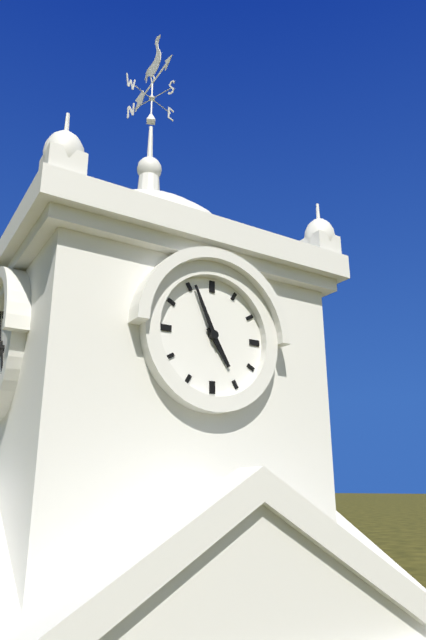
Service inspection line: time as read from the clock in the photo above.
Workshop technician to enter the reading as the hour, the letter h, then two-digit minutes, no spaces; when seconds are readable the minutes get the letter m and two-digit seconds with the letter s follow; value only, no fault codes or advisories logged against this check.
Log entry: 4h56
